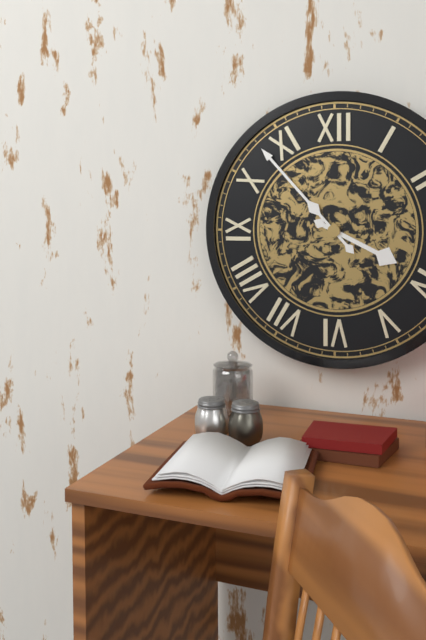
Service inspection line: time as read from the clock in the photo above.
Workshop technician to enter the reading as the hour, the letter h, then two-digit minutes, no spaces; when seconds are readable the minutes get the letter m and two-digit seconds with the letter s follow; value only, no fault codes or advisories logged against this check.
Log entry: 3h53
